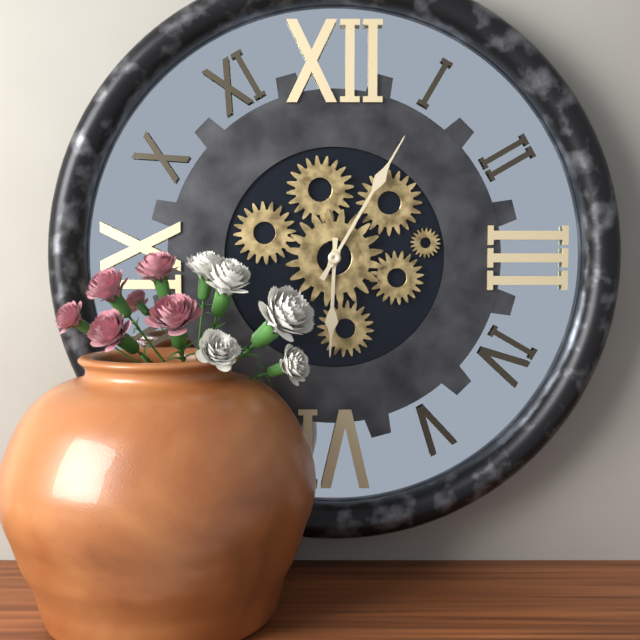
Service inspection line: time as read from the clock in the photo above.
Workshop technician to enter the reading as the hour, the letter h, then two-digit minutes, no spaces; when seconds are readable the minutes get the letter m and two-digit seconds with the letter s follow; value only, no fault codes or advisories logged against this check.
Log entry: 6h05
